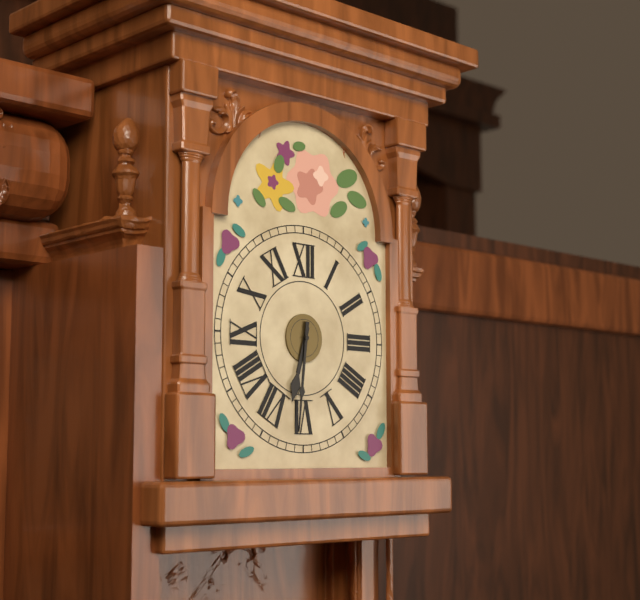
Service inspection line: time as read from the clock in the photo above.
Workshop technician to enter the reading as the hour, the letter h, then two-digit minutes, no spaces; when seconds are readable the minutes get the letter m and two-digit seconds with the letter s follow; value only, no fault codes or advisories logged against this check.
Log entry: 6h31
